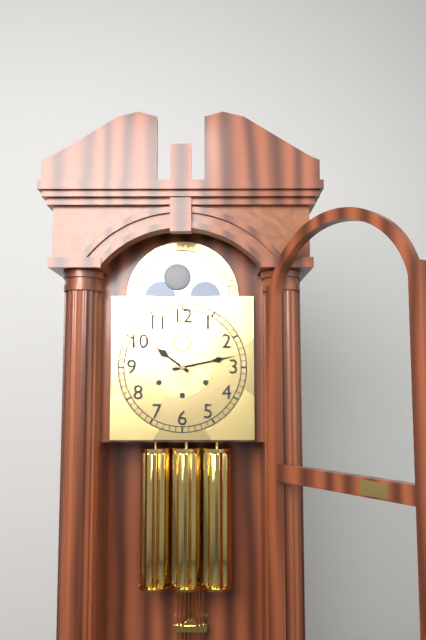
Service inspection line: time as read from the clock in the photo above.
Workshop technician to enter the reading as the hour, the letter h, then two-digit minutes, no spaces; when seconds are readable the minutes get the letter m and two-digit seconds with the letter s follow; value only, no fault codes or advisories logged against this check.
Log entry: 10h13
